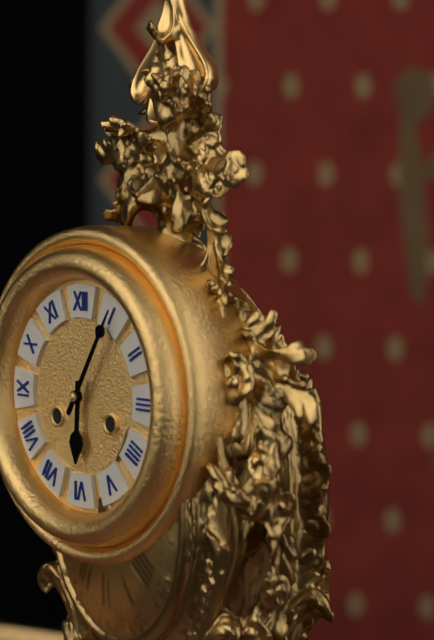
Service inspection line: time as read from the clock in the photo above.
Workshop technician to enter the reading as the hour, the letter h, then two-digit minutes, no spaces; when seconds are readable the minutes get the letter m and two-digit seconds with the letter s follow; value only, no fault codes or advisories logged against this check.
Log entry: 6h05
